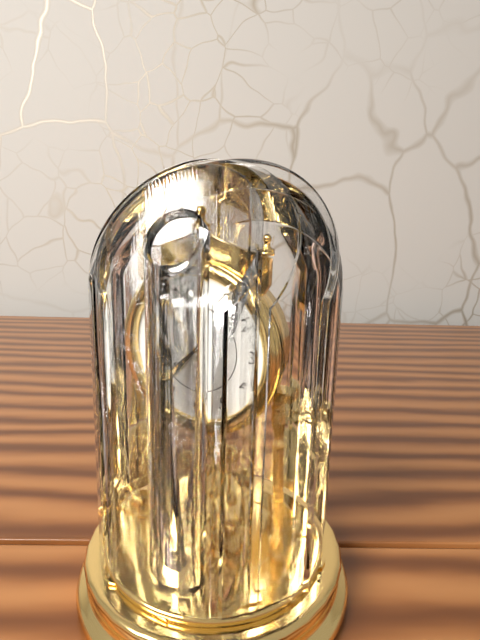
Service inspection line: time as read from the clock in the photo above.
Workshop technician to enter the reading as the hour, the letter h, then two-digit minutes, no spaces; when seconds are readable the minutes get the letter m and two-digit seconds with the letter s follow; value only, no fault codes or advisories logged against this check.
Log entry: 7h37
